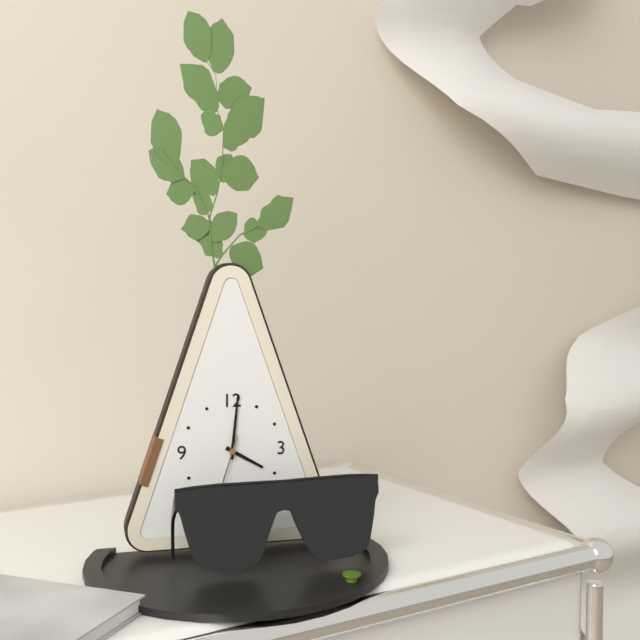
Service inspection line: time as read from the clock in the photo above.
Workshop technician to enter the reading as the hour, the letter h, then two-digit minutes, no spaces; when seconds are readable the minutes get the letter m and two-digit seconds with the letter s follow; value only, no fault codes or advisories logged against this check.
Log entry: 4h01
